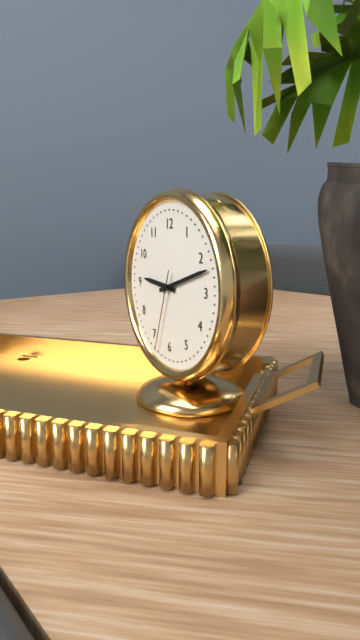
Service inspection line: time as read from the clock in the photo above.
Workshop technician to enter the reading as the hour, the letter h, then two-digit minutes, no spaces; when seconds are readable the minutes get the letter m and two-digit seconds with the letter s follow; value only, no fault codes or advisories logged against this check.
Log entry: 9h12m33s
